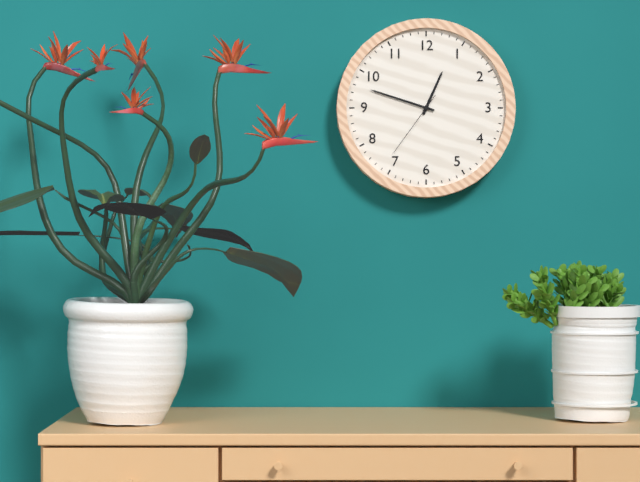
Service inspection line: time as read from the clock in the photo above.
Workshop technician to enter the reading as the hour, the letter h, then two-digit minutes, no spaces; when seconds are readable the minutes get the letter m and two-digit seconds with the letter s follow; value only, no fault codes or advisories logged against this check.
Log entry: 12h48m36s
